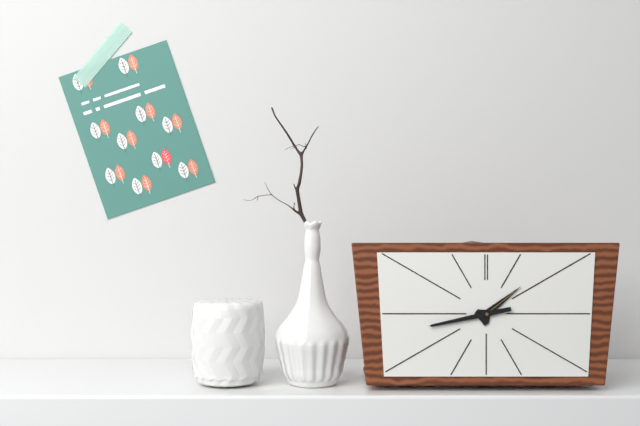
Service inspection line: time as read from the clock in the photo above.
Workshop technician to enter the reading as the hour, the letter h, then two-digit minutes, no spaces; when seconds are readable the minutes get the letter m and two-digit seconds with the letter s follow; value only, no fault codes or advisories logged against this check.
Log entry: 1h43
